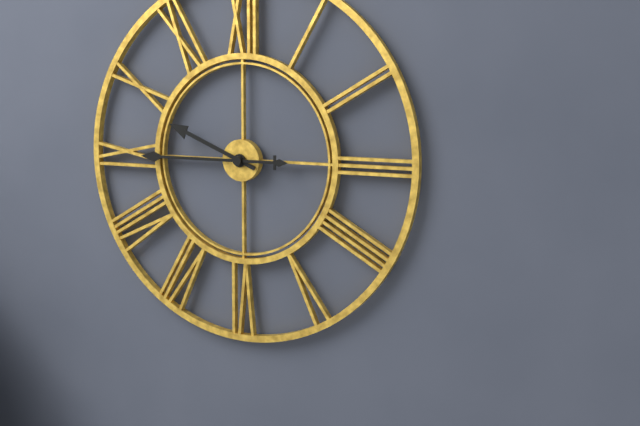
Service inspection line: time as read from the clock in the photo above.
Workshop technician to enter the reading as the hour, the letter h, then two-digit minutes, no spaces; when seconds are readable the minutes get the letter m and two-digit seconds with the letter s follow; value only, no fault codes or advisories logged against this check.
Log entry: 9h45
